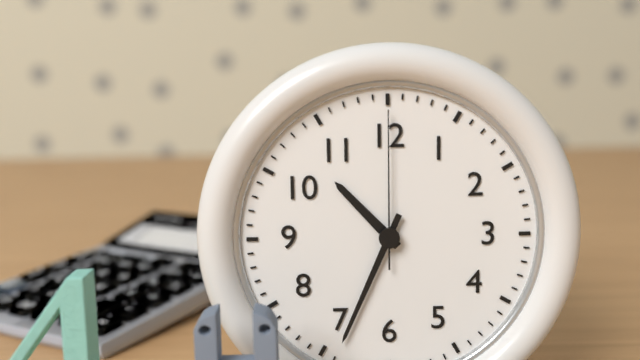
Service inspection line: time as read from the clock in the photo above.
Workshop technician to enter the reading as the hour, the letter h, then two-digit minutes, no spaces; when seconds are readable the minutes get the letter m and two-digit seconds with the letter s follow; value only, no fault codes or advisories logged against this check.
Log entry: 10h34m00s
